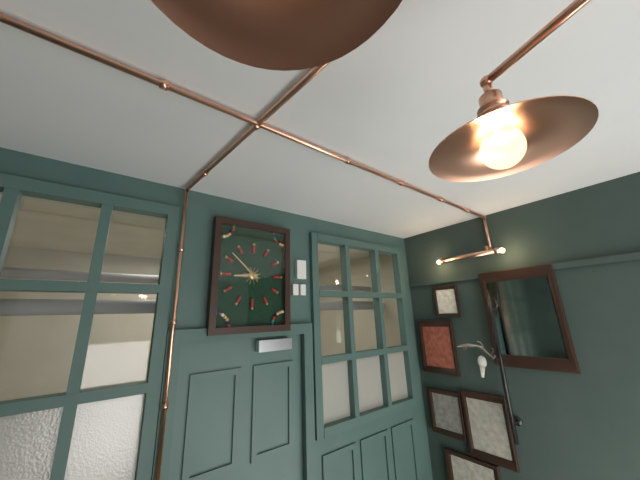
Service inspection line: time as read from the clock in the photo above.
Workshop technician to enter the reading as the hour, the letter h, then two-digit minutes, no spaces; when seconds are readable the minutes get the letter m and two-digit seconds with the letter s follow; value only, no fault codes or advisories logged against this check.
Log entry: 8h52
